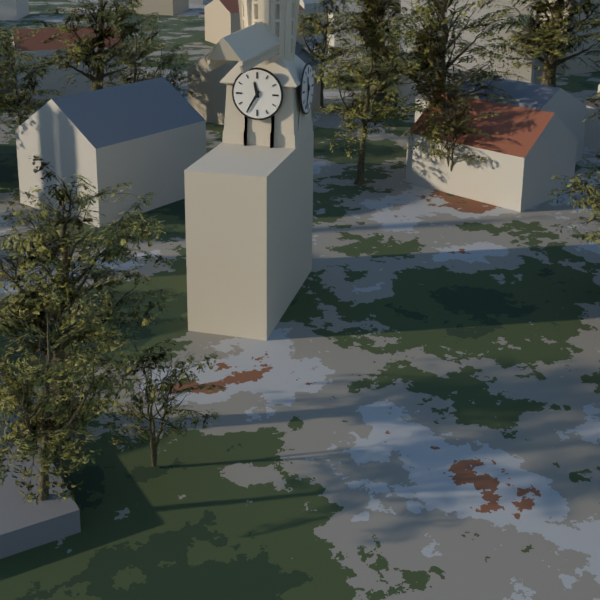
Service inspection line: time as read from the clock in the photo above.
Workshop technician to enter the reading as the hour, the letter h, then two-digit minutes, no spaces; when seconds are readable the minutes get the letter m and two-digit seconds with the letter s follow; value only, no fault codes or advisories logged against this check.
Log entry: 11h35
